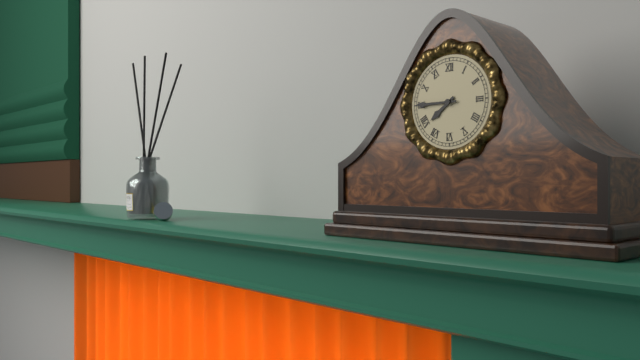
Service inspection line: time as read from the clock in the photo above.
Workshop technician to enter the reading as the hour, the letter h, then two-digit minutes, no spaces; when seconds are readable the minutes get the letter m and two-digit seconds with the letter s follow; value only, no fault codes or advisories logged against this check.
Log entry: 7h45
